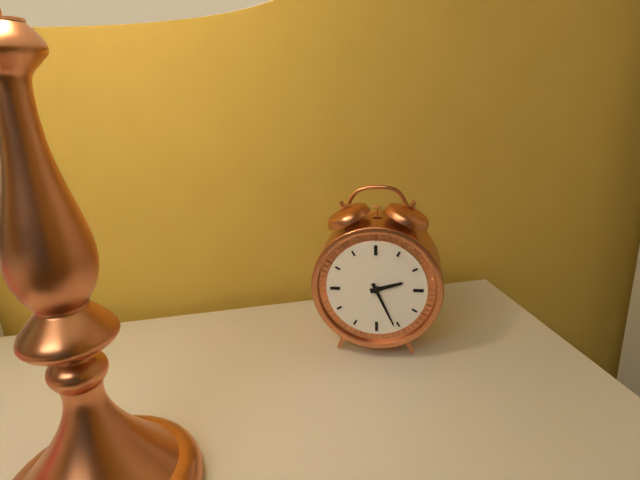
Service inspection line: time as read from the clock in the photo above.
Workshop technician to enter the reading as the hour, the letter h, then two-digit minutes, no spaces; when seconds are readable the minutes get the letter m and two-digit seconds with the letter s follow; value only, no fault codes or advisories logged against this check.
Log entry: 2h26
